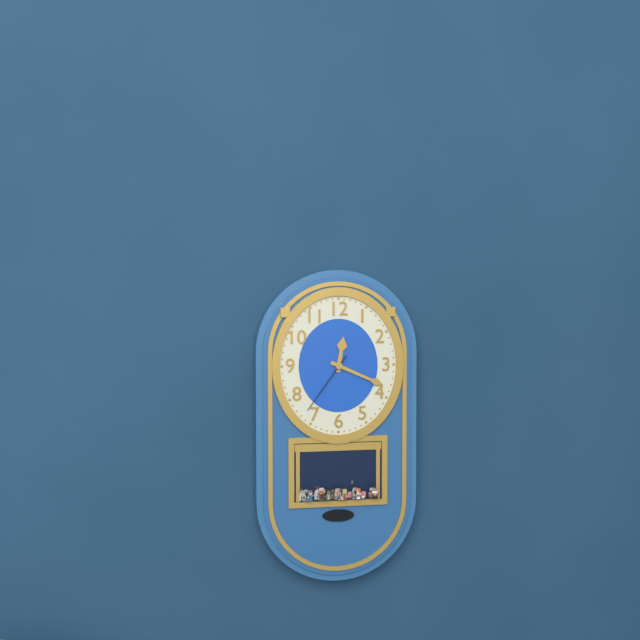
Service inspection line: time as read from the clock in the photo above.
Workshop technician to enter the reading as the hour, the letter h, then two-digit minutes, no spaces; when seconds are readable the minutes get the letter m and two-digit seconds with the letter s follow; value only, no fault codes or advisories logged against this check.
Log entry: 12h19m36s
